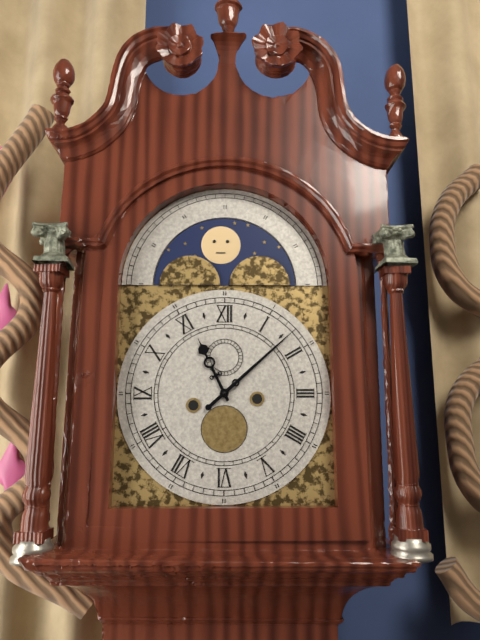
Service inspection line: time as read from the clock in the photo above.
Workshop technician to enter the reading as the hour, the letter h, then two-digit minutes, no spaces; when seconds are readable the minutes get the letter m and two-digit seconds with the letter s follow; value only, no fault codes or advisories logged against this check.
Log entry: 11h08
